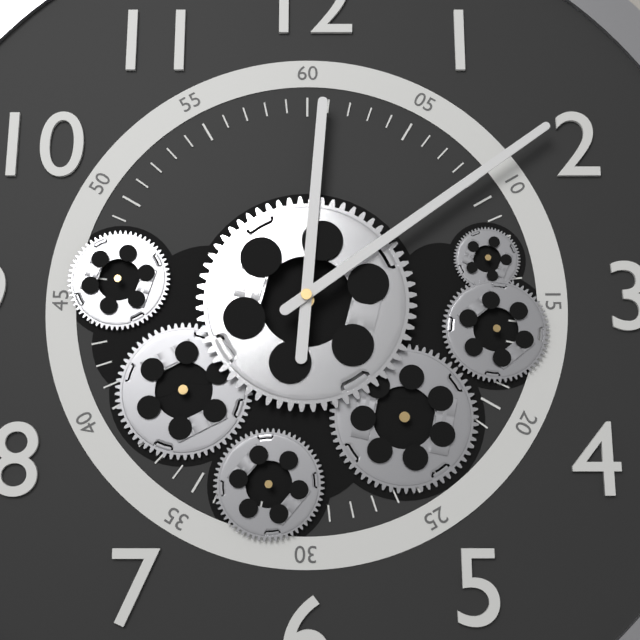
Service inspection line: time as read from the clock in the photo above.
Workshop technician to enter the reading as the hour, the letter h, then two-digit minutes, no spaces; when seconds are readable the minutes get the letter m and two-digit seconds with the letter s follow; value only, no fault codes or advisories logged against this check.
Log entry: 12h09
